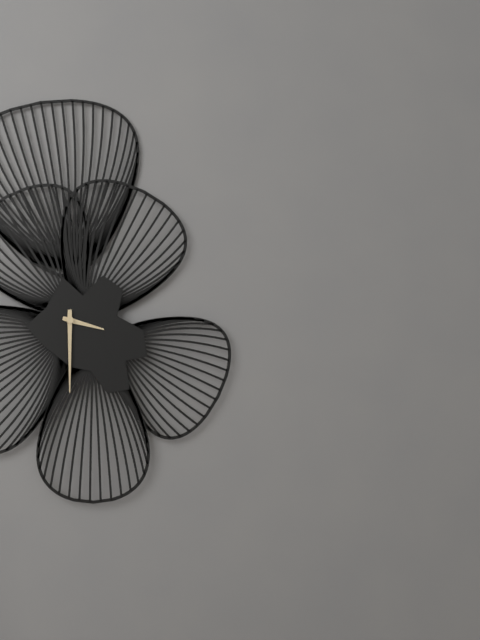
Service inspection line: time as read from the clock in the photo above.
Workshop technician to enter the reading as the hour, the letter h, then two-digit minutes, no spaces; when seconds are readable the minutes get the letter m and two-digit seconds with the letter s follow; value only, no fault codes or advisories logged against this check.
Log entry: 3h30
